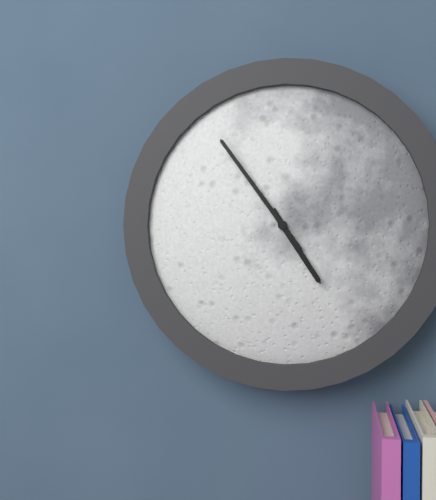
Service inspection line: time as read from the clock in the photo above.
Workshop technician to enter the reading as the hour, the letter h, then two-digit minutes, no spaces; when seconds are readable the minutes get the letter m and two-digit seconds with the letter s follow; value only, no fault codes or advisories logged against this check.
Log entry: 4h54
